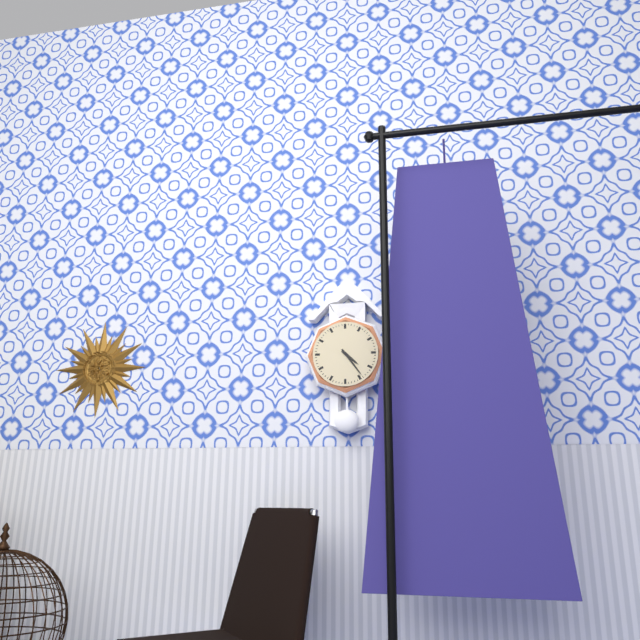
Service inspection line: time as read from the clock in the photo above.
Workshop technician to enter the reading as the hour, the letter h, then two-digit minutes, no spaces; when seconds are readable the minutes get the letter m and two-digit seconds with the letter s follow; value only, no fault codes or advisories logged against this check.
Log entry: 4h24
